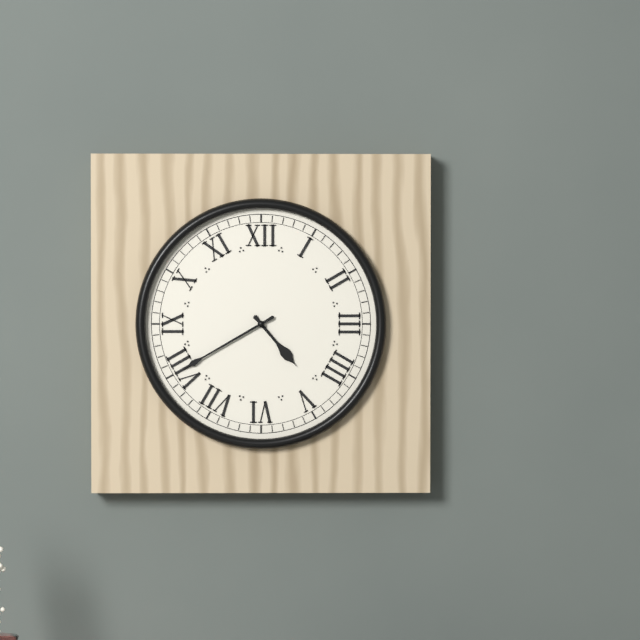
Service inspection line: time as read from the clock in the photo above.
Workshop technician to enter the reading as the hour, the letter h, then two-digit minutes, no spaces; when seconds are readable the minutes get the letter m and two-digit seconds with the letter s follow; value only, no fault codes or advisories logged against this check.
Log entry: 4h40
